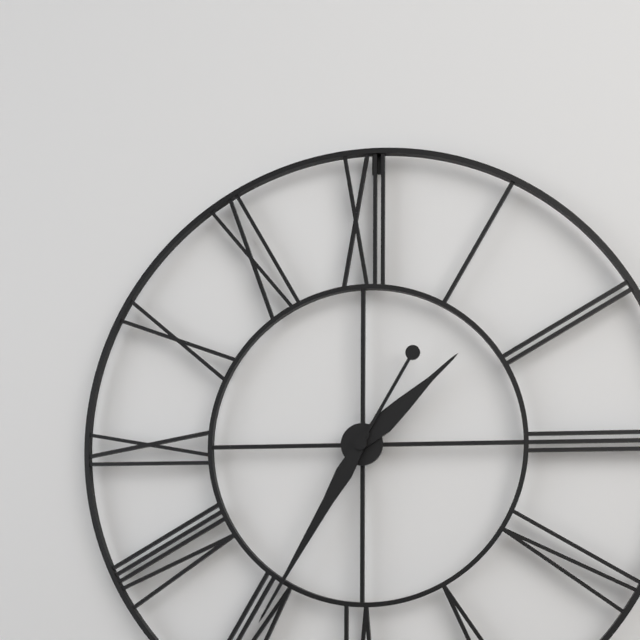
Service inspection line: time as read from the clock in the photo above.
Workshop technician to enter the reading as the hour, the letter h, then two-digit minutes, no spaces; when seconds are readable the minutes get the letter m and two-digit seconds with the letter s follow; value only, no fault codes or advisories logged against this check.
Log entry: 1h35
